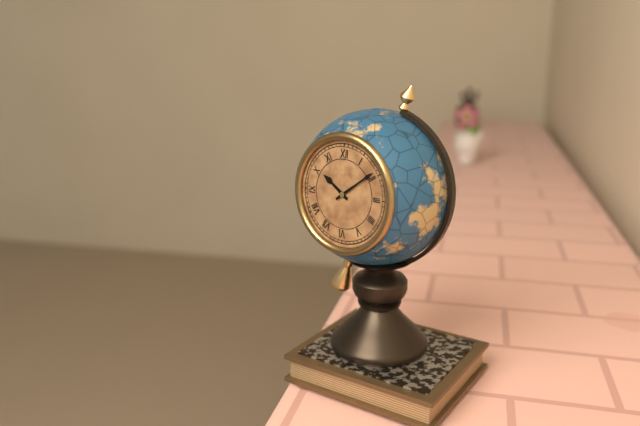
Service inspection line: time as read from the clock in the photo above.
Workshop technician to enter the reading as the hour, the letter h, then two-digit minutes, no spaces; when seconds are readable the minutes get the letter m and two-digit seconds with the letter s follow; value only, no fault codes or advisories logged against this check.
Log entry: 10h09
